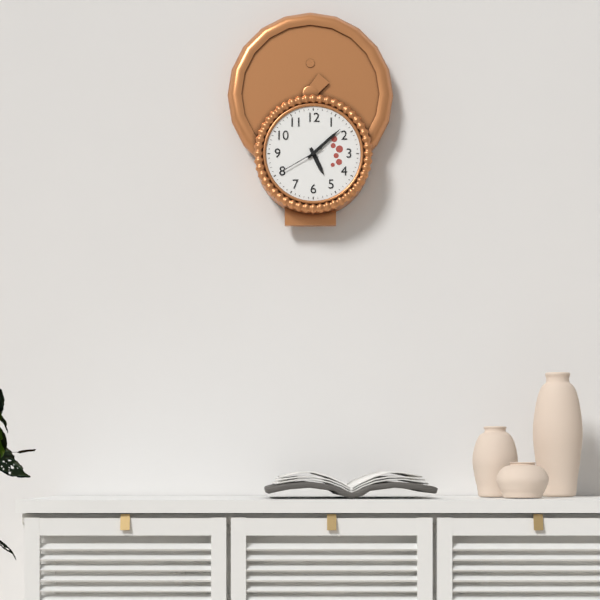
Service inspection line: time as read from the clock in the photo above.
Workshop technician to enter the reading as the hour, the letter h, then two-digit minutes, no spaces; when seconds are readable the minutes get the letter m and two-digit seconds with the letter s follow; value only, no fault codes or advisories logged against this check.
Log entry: 5h08
